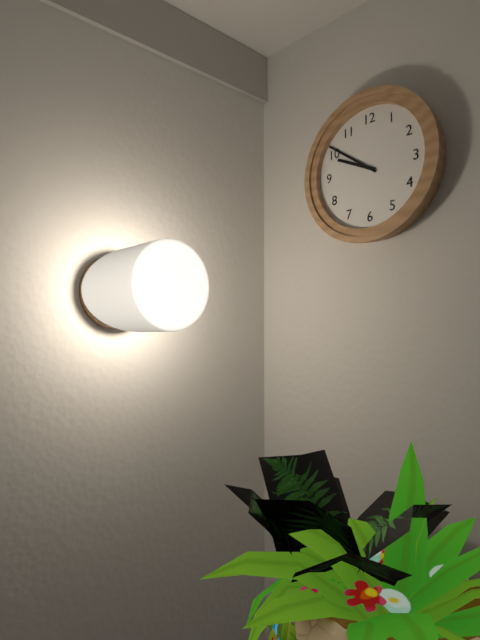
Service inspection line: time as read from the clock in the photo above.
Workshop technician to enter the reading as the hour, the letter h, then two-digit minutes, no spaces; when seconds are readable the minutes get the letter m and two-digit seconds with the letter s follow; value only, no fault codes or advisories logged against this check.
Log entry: 9h51
